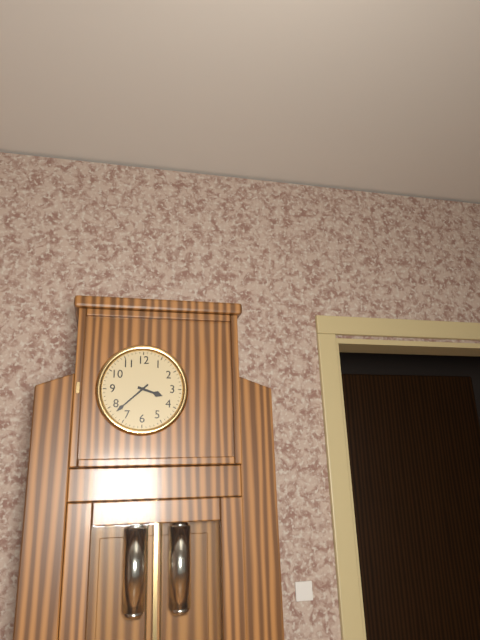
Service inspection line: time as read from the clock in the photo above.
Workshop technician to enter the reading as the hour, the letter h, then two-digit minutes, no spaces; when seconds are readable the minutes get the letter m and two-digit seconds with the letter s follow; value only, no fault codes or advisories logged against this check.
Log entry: 3h38
